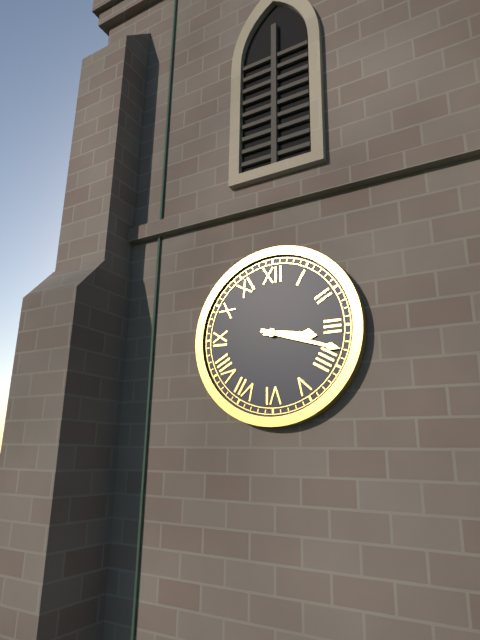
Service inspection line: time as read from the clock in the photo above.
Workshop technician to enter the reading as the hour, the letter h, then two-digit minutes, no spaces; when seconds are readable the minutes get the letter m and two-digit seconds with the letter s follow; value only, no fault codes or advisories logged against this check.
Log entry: 3h18
